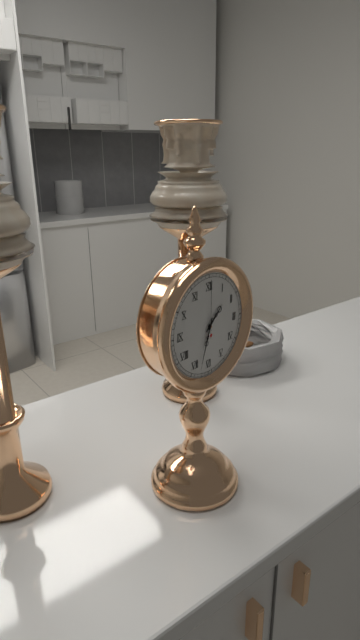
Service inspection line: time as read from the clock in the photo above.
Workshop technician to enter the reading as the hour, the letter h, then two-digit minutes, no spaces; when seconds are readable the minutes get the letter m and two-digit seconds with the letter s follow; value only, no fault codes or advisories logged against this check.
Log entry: 1h33m00s
